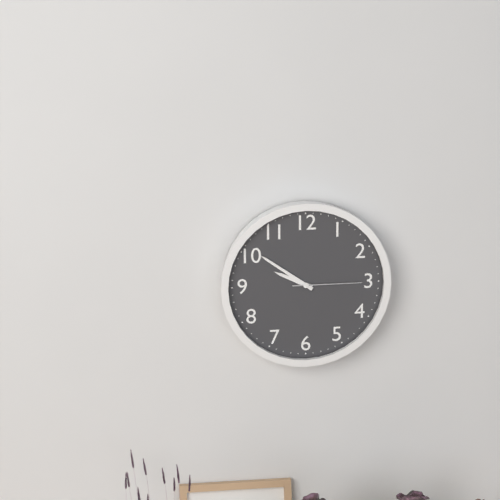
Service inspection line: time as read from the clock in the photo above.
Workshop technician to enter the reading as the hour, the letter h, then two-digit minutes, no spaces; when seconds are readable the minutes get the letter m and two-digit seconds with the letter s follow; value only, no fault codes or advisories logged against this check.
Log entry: 9h51m15s
